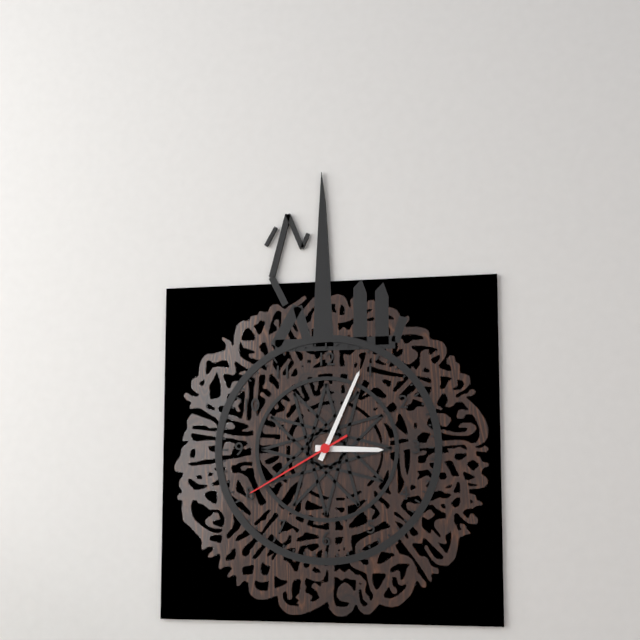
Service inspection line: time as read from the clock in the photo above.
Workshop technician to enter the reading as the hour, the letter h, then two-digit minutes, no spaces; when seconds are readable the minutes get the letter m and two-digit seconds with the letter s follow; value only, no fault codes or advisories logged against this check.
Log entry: 3h04m40s
